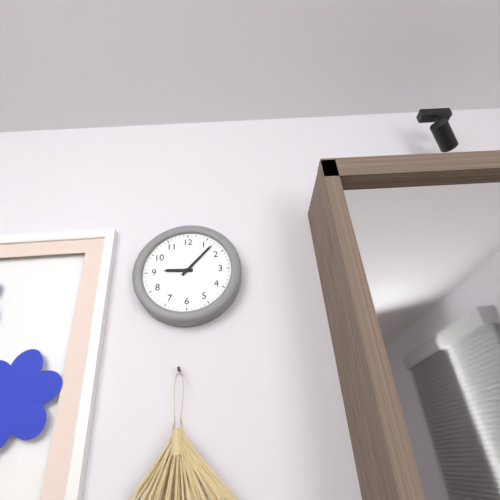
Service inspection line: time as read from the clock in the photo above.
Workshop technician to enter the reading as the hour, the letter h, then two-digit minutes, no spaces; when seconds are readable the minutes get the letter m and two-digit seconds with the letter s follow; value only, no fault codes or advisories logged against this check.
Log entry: 9h07
